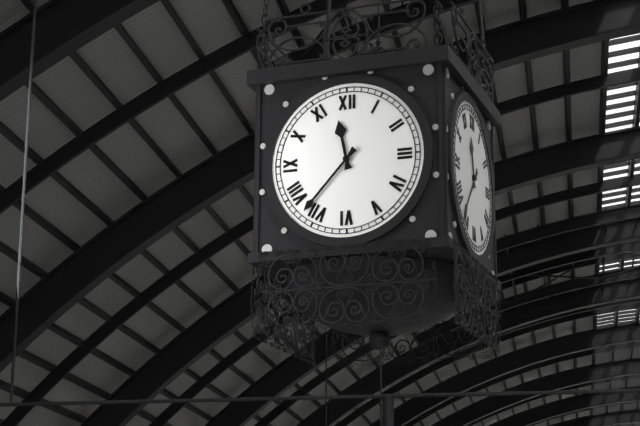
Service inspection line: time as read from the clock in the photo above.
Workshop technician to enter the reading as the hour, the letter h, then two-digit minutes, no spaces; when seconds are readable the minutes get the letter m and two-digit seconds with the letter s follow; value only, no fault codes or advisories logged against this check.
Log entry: 11h37
